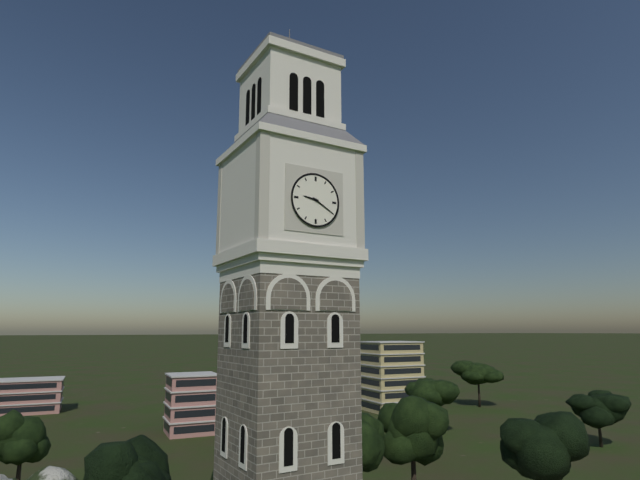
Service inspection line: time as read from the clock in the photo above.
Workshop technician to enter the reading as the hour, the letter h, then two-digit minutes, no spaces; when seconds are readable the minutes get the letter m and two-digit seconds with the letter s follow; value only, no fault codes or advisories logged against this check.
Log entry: 9h20
